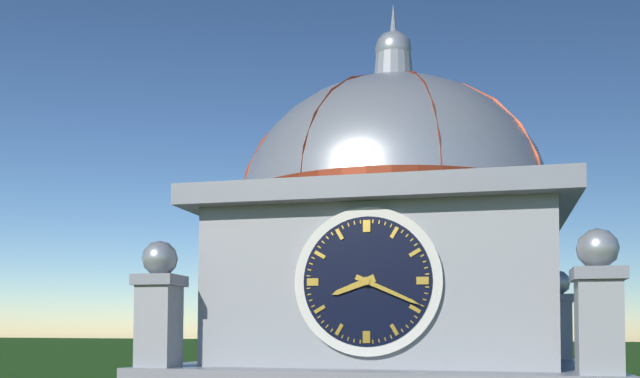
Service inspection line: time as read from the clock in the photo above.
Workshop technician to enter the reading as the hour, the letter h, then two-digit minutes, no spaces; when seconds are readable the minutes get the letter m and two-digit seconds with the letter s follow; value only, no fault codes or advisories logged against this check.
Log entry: 8h19
